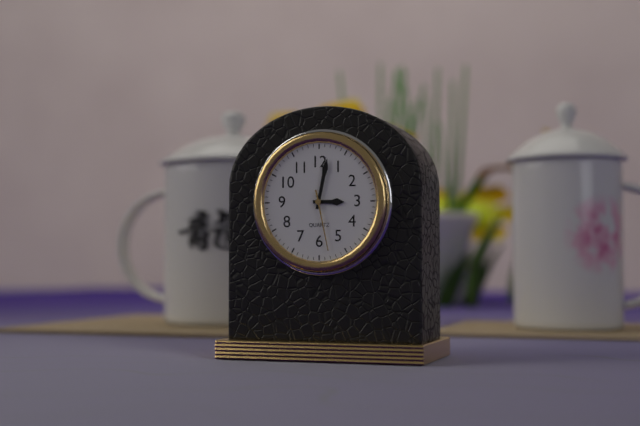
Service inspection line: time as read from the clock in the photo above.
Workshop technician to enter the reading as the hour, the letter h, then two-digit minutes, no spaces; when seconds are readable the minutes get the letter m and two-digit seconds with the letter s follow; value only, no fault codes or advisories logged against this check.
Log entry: 3h02m28s
